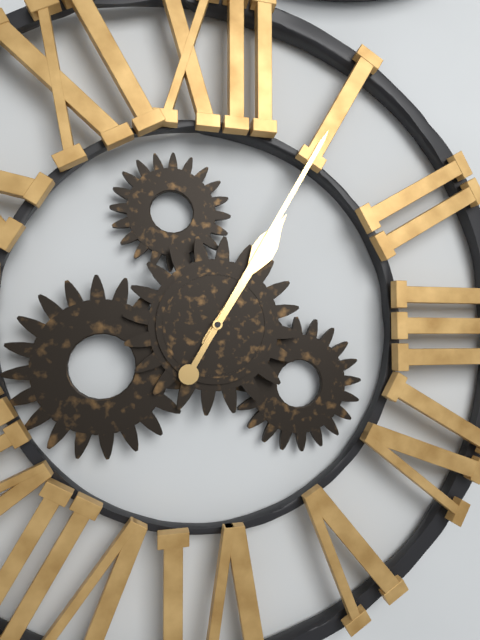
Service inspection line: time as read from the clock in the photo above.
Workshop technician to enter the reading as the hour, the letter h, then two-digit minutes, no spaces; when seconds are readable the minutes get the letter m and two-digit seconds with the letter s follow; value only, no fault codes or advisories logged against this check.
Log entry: 1h05
